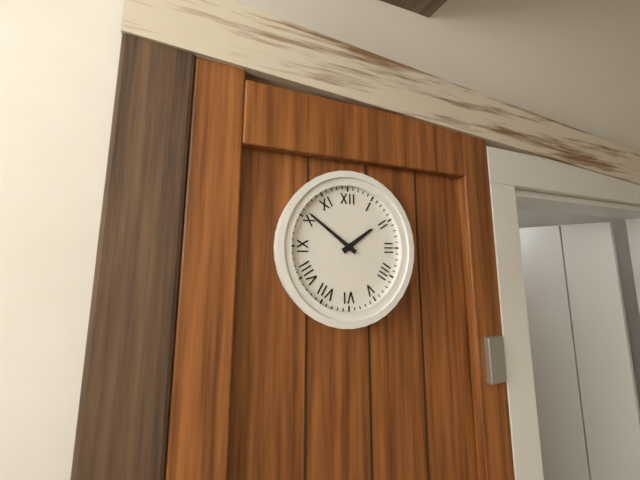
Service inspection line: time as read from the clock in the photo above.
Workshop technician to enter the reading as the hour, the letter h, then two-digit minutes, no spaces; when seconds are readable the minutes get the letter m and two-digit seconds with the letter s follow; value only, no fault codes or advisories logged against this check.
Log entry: 1h51
